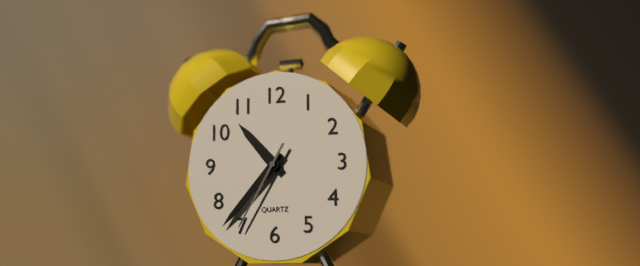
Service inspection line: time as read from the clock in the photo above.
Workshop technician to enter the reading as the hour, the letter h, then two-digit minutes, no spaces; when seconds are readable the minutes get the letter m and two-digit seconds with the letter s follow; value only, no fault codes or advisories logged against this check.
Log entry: 10h37m35s
